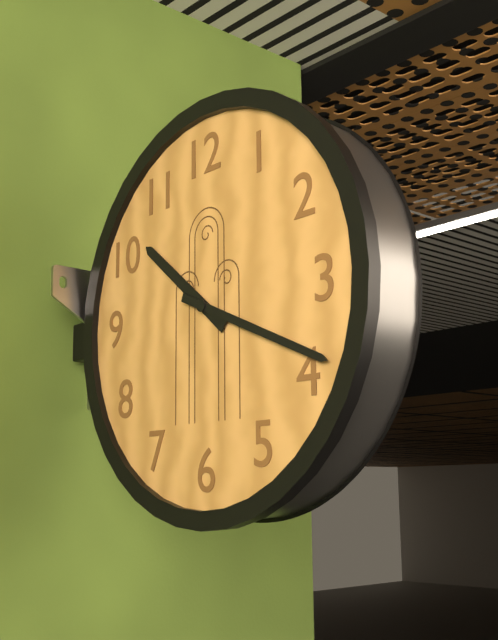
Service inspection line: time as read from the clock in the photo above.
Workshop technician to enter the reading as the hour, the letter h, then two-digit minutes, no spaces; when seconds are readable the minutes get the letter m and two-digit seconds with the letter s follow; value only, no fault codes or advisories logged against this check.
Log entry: 10h19
